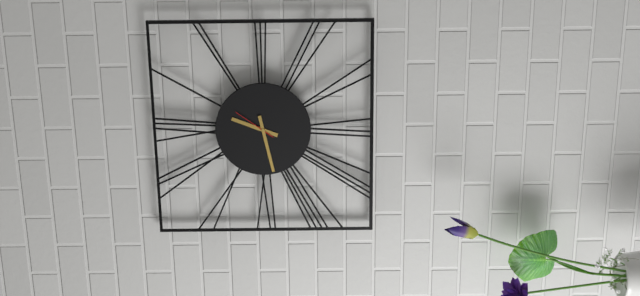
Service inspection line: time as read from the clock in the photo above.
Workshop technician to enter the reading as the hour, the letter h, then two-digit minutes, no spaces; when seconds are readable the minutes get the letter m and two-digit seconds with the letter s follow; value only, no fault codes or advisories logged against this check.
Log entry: 12h43
